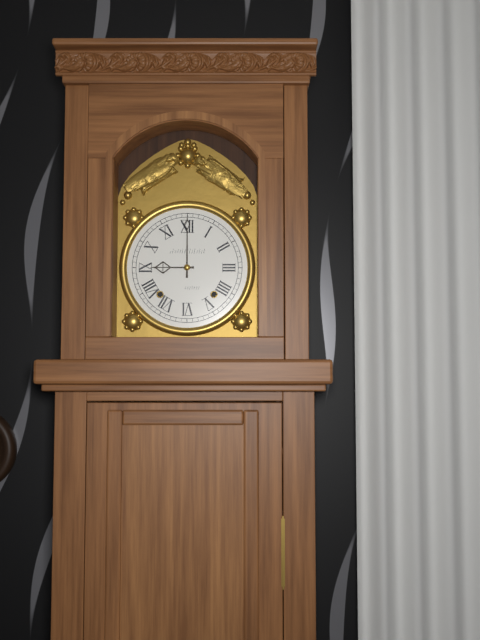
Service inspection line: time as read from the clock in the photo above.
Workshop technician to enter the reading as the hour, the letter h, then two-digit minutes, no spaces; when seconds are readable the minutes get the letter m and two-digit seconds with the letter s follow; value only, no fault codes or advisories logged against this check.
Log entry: 9h00
